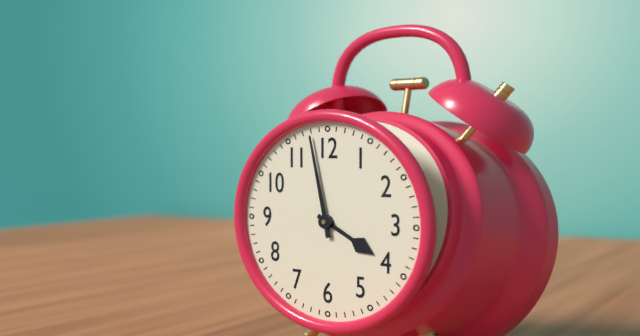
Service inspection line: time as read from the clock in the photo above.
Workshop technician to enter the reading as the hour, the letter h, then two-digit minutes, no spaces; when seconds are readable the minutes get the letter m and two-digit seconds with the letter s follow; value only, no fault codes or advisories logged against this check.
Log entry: 3h58
